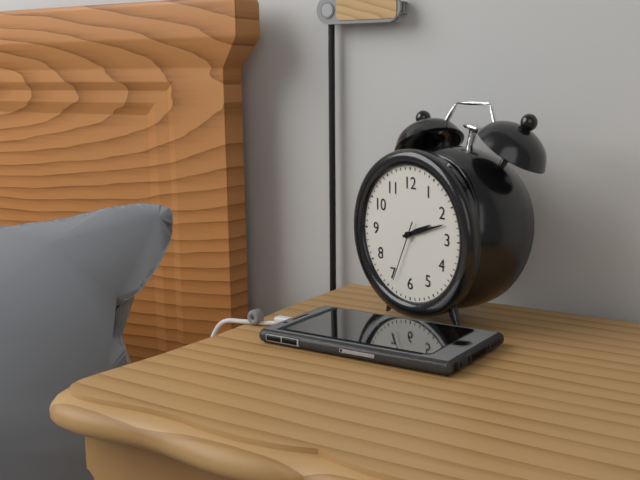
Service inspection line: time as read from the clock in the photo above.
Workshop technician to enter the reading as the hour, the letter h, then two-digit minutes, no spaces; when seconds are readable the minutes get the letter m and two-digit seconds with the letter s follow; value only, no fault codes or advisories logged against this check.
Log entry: 2h12m34s
